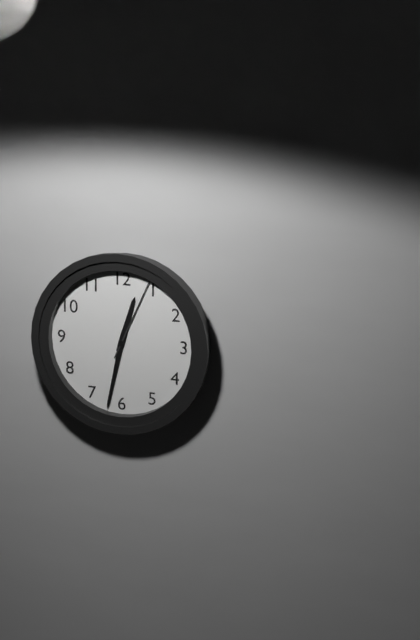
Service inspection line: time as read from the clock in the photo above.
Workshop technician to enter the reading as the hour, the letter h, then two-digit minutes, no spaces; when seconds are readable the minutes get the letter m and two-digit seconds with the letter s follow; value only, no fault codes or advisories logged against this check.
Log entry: 12h32m04s
